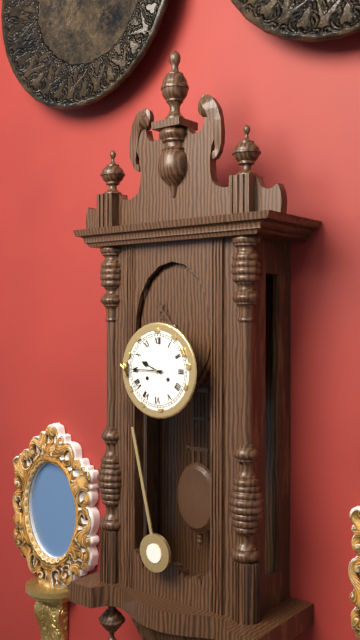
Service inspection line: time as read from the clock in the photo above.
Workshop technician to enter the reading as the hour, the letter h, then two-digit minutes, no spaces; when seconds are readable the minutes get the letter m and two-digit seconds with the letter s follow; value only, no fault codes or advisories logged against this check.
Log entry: 9h45
